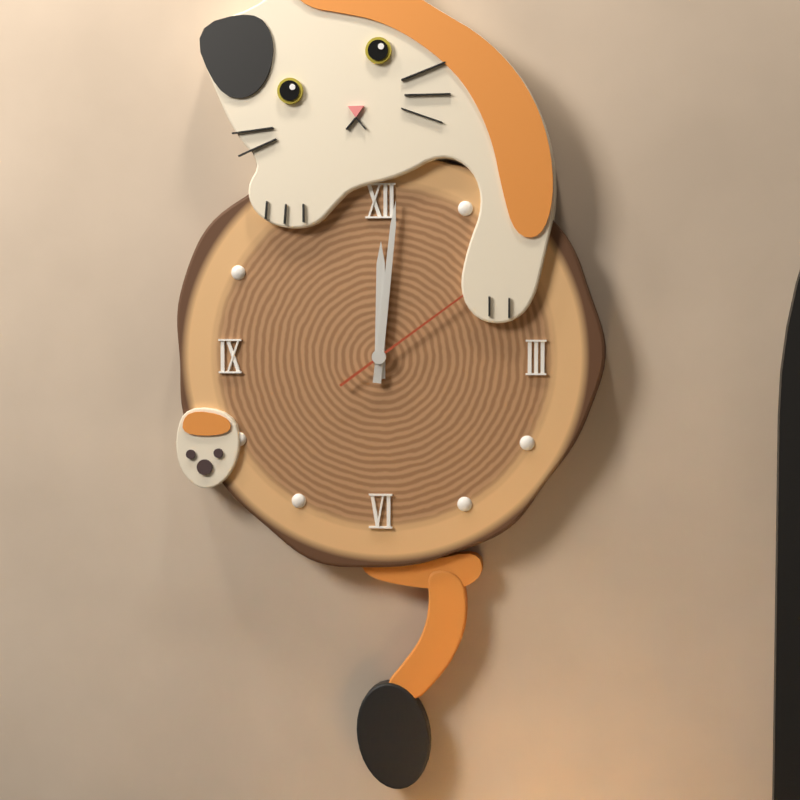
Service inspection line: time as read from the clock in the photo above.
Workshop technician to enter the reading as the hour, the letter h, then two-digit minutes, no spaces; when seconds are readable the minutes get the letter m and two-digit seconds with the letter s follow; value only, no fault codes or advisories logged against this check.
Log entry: 12h01
